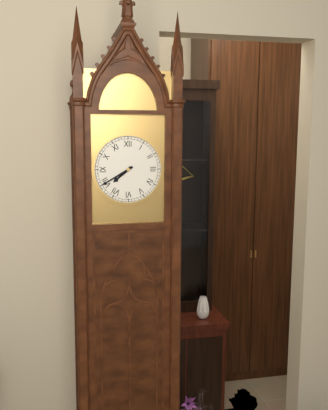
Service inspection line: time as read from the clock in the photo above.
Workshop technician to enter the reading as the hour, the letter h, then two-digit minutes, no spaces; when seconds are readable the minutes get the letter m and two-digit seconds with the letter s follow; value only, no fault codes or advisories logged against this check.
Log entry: 7h40
